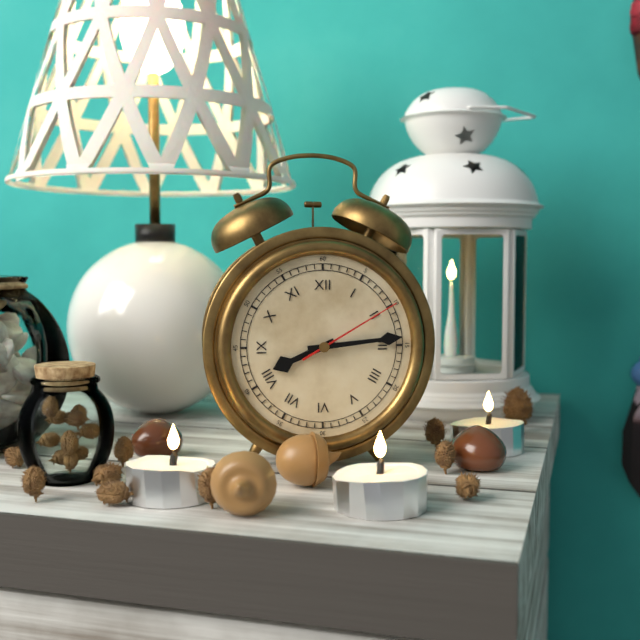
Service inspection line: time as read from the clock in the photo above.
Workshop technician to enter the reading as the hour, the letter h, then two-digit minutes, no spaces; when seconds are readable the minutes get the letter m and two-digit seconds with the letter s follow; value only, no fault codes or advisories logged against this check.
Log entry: 8h14m10s
